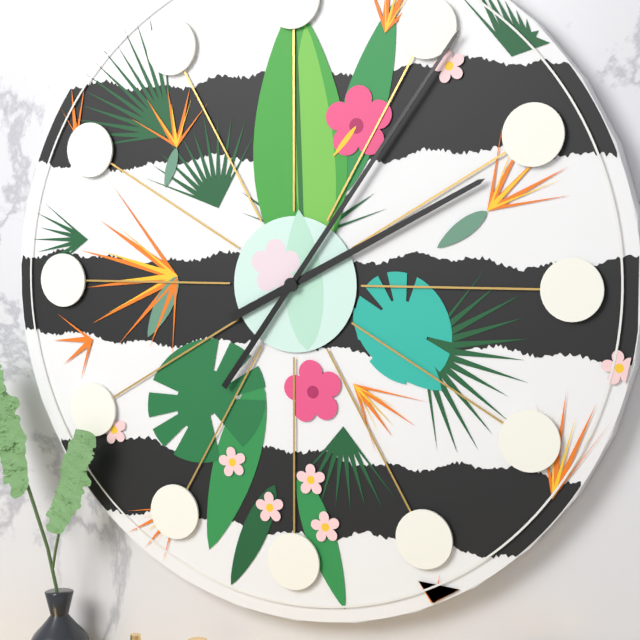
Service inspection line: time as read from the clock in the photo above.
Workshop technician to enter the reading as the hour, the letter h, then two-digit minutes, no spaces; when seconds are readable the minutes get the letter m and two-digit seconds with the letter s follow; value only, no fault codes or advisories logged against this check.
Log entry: 2h06
